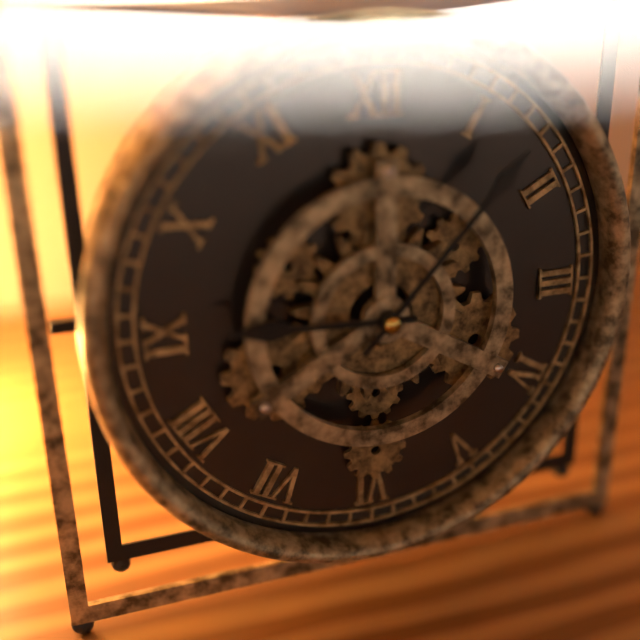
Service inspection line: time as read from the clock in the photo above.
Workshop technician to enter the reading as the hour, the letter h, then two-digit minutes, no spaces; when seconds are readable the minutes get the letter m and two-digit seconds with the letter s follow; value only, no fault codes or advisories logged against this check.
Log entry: 9h07
